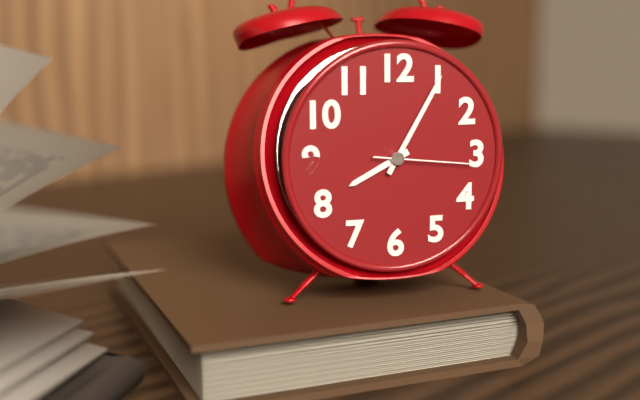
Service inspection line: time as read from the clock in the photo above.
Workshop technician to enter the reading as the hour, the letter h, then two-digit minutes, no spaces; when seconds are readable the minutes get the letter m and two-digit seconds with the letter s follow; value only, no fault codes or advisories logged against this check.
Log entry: 8h05m16s
